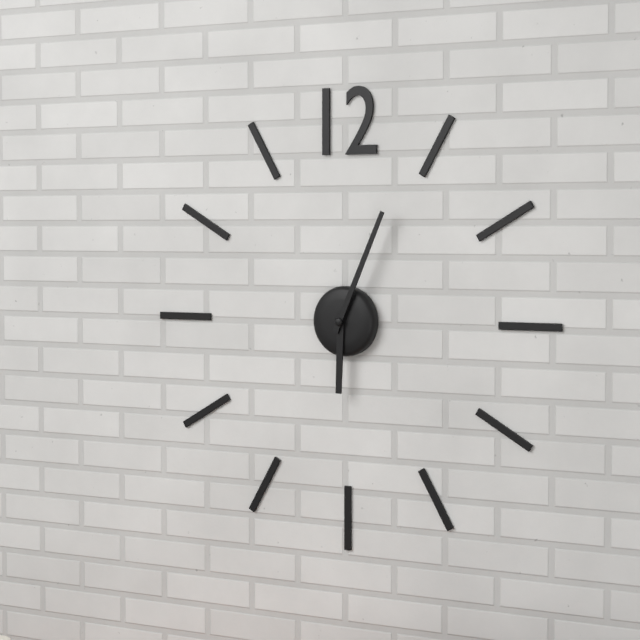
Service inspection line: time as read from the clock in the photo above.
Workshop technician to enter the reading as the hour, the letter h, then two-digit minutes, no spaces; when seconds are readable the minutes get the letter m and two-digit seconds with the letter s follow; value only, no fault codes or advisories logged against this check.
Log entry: 6h04
